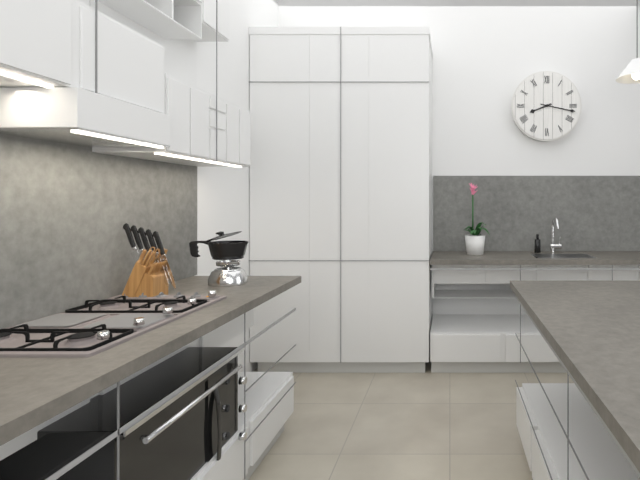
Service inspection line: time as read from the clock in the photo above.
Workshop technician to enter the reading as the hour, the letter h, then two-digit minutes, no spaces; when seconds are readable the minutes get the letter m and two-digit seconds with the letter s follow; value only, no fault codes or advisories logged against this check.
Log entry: 8h17
